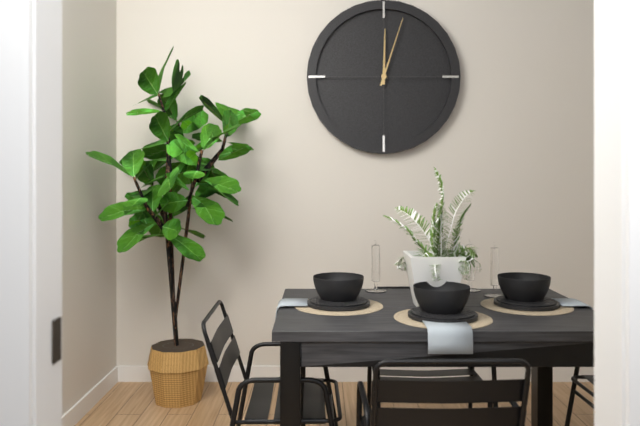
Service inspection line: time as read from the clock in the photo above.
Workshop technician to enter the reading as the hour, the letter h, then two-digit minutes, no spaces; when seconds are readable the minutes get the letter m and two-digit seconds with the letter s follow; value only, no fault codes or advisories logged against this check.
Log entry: 12h03
